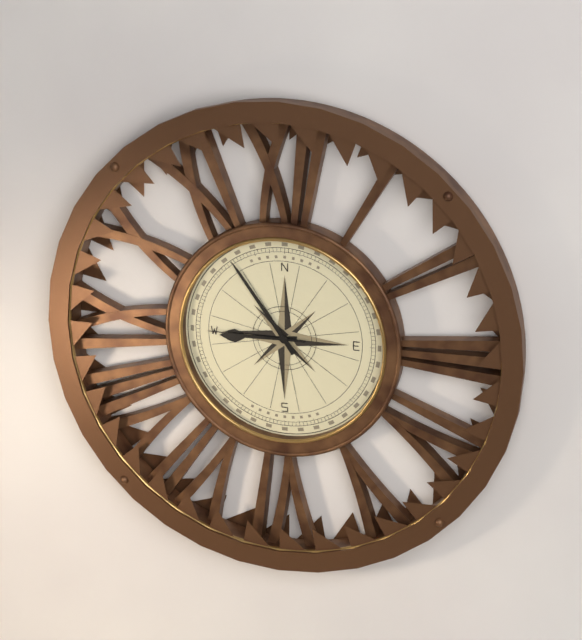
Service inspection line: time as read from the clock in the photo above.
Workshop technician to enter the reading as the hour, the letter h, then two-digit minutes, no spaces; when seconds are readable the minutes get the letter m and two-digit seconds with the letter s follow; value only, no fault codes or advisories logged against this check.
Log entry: 8h54m45s
